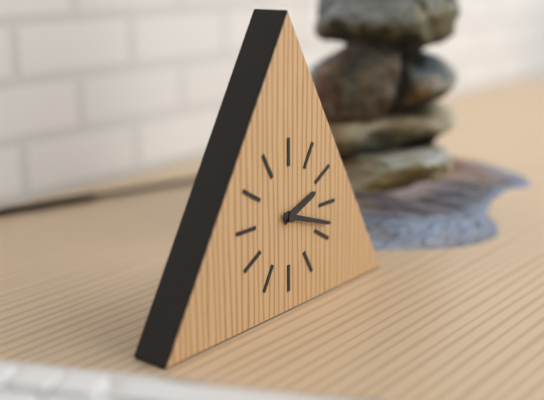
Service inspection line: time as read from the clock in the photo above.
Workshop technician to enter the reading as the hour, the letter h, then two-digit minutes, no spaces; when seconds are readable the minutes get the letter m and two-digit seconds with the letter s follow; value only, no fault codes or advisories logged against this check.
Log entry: 2h18
